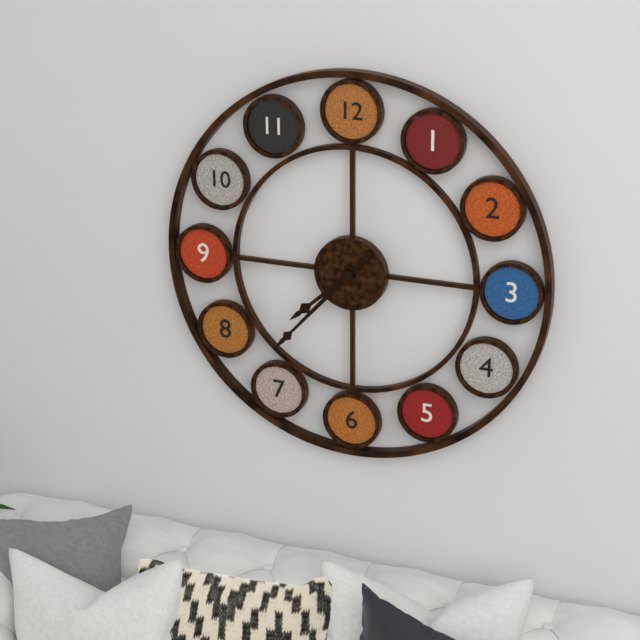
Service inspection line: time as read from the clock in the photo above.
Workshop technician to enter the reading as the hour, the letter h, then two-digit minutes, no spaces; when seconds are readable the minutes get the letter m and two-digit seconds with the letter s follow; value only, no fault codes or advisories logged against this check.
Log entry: 7h37
